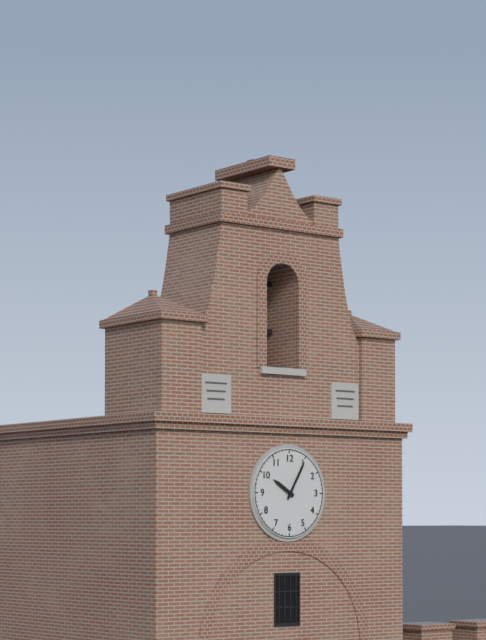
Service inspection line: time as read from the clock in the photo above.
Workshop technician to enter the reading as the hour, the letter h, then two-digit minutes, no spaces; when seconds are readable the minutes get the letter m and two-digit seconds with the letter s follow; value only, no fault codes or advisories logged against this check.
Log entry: 10h05
